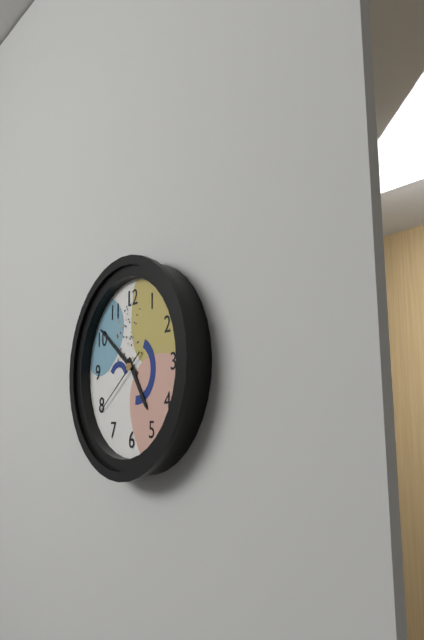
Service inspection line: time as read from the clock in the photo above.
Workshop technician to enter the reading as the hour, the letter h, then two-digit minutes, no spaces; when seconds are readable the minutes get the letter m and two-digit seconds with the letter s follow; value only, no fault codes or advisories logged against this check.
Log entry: 4h51m39s
